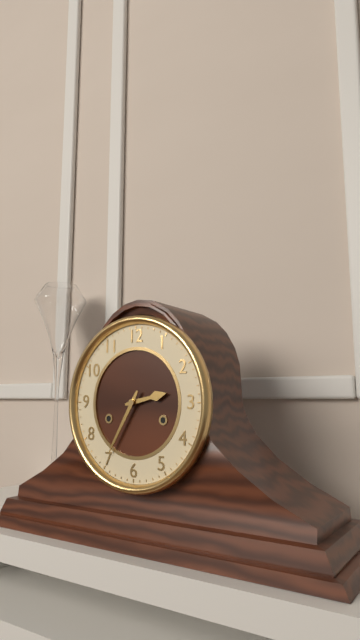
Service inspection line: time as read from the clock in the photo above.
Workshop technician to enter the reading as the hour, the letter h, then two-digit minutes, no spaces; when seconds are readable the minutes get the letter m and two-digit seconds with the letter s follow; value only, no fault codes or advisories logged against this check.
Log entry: 2h35
